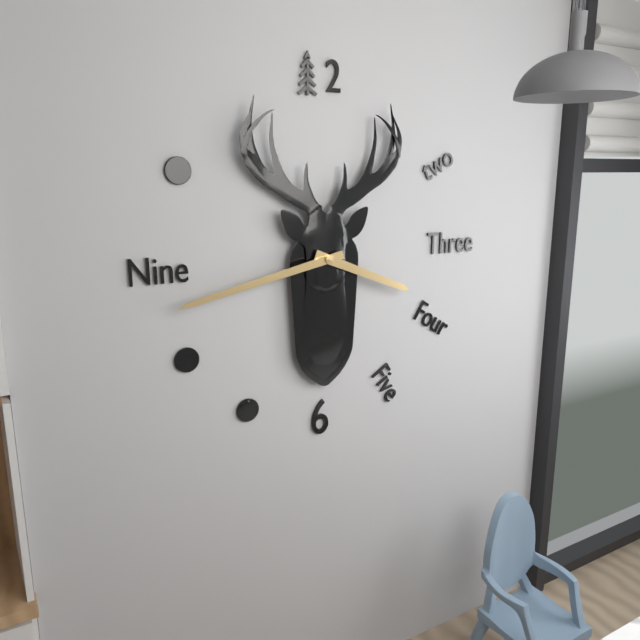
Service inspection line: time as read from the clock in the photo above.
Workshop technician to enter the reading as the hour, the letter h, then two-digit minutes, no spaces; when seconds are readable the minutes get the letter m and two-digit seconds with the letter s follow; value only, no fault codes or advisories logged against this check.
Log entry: 3h43
